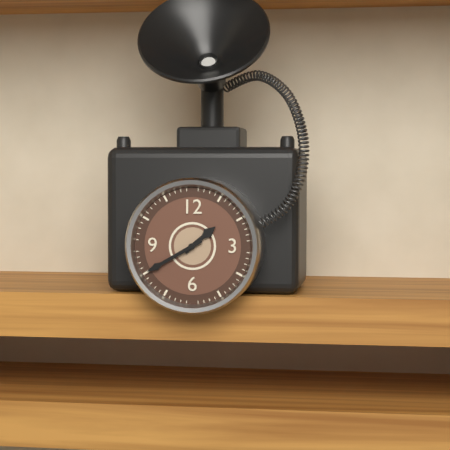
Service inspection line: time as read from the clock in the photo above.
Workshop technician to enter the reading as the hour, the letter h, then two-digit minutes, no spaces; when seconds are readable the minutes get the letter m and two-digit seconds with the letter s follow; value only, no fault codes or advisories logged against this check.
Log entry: 1h40
